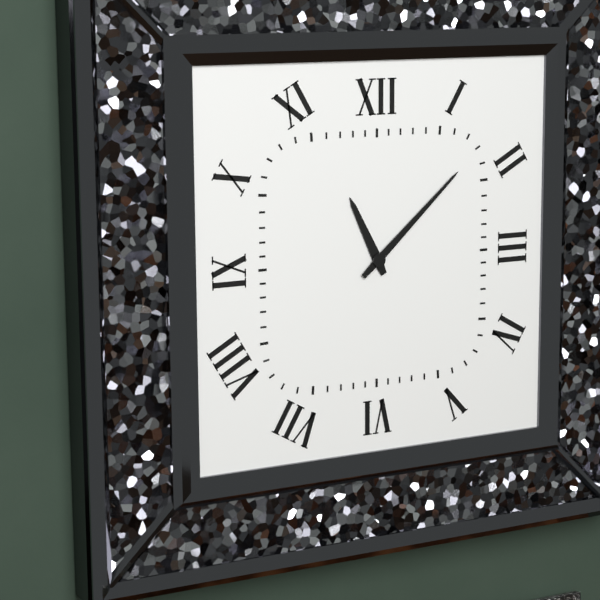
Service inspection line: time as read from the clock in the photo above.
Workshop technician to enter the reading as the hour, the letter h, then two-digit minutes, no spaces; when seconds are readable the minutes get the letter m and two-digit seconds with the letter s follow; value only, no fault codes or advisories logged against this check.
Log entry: 11h08
